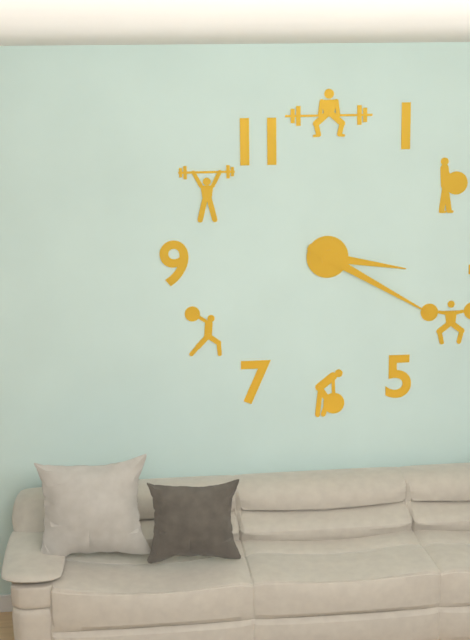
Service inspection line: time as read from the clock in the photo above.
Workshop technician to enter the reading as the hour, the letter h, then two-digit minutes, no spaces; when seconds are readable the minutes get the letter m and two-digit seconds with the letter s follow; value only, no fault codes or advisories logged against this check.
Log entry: 3h20
